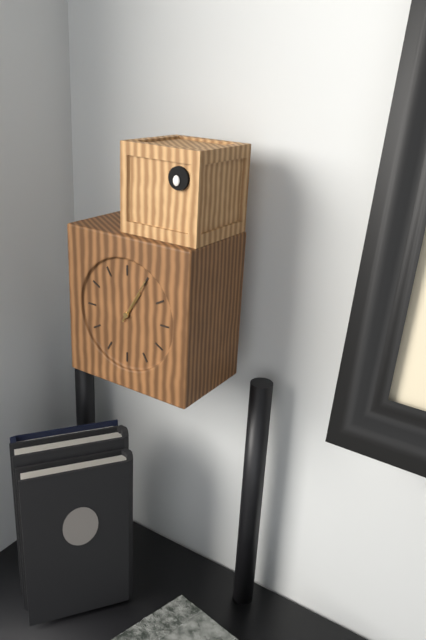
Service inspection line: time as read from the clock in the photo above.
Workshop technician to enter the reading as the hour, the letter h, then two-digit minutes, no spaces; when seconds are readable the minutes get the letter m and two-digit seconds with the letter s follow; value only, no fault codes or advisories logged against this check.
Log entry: 1h05
